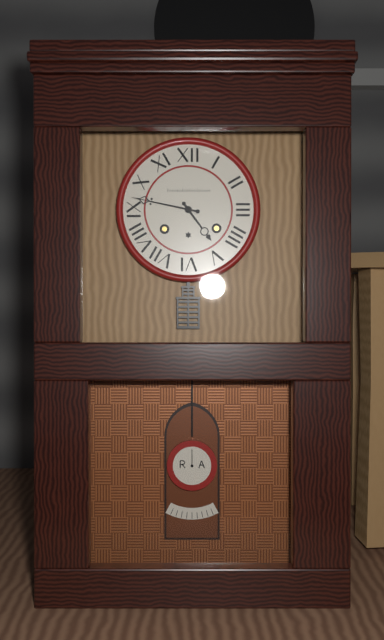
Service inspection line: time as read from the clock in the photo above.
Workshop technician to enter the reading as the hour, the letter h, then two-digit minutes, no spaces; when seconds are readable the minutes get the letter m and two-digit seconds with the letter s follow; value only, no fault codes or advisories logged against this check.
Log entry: 4h47
